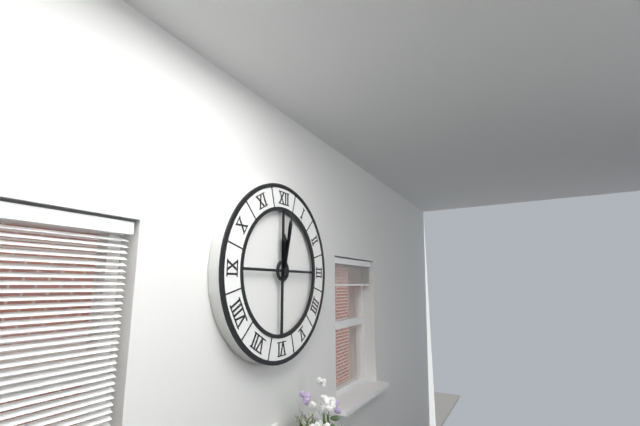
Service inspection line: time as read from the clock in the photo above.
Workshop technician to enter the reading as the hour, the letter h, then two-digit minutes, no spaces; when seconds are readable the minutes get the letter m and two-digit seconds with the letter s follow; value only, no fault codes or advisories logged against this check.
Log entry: 12h02
